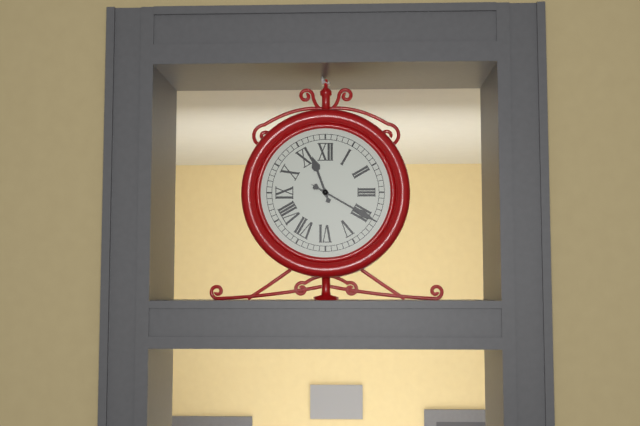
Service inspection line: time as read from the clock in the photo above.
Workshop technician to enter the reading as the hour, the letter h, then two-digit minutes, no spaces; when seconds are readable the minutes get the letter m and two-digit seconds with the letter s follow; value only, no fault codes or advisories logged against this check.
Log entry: 11h20
